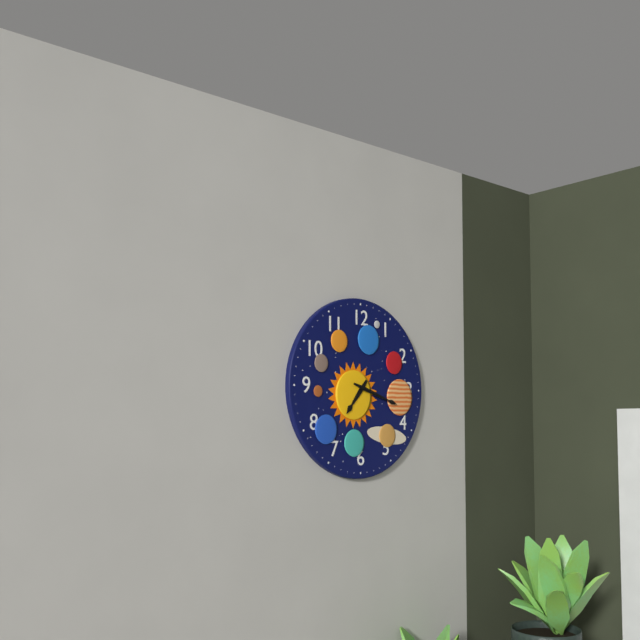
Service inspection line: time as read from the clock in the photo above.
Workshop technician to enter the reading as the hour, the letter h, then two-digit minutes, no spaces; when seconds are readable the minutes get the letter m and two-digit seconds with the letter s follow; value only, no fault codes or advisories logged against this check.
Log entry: 7h18
